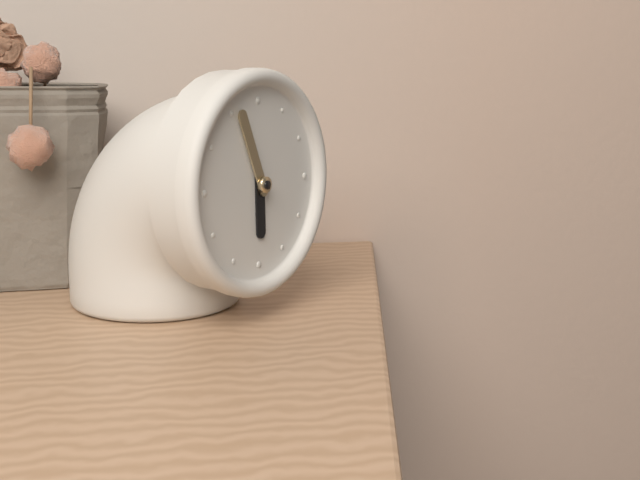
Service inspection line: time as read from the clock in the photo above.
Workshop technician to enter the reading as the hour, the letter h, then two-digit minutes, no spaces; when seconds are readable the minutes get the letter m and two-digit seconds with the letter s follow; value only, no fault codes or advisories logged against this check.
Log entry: 5h56
